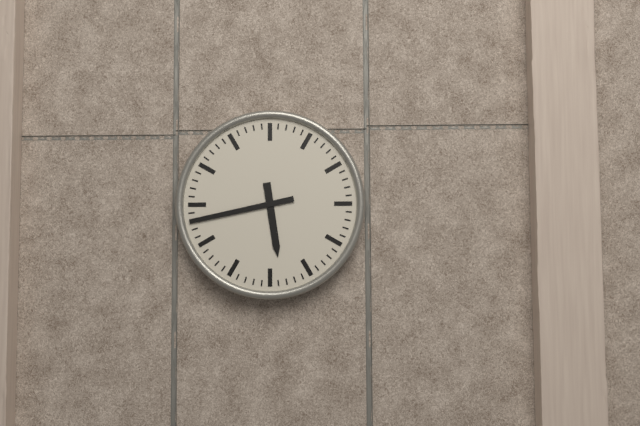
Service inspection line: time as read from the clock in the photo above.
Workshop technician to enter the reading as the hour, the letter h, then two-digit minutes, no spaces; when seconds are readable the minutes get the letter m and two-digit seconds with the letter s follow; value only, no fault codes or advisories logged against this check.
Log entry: 5h43
